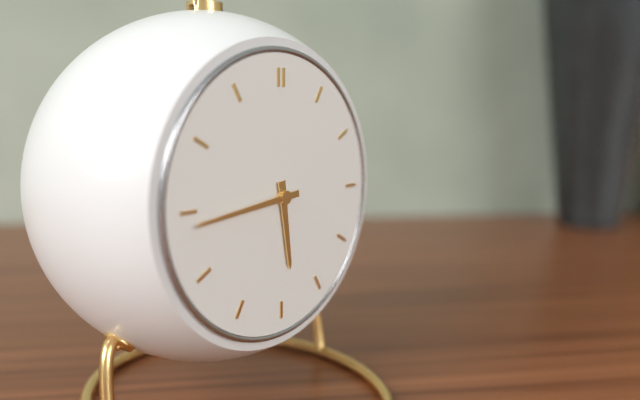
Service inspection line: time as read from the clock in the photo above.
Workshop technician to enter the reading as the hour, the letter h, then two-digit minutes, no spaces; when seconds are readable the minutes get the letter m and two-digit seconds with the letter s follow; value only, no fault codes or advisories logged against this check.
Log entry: 5h44
